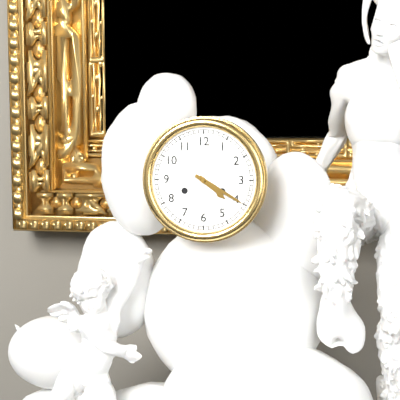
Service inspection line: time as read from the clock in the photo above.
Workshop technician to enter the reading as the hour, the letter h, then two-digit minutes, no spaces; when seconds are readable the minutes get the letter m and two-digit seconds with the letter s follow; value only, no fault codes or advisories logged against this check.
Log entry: 4h20
